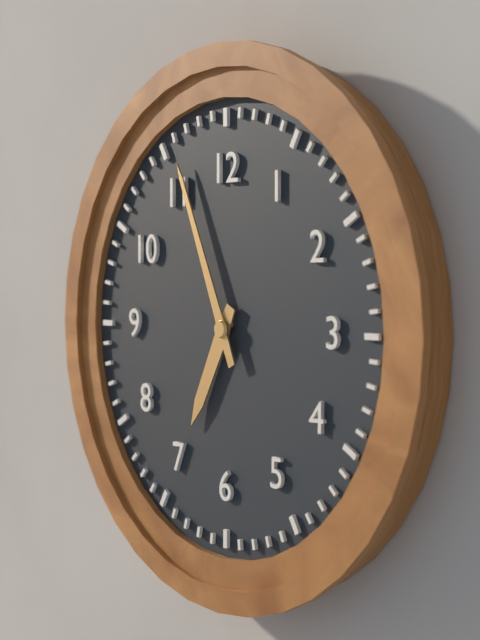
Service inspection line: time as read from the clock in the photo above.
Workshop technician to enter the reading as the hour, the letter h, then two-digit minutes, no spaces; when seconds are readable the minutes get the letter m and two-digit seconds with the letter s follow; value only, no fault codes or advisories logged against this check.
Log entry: 6h56
